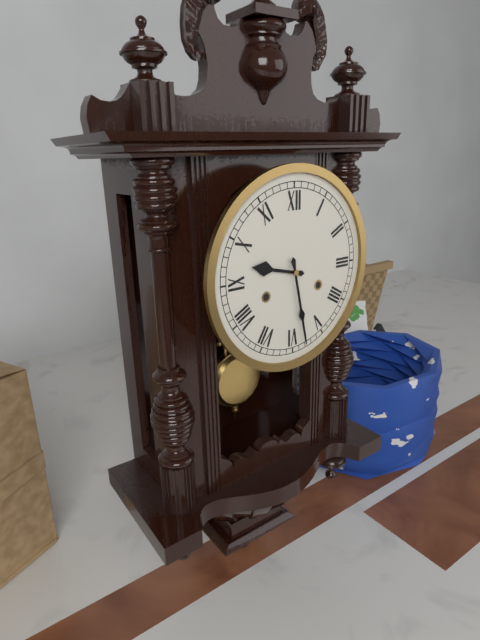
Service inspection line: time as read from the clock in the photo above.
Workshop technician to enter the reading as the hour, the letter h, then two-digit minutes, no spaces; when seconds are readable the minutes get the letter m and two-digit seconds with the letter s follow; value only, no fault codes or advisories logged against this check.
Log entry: 9h28
